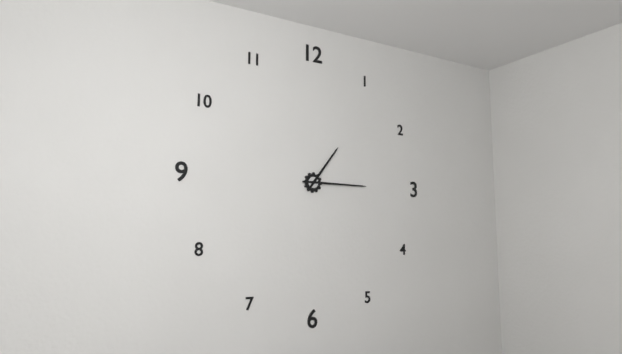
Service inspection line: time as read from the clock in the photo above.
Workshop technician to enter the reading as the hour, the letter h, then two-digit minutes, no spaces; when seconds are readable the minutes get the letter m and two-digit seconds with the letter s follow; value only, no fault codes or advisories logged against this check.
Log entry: 1h15
